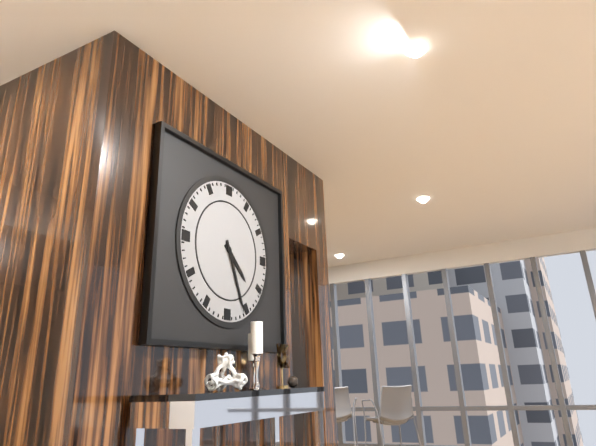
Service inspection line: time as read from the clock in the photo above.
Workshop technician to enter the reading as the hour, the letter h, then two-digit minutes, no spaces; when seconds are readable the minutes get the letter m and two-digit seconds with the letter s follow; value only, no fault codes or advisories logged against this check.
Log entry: 4h26
